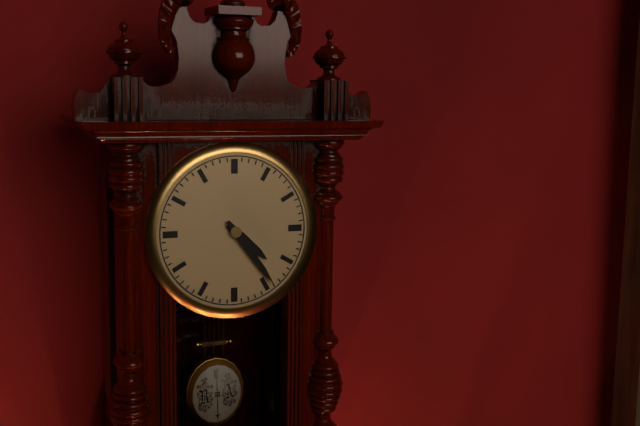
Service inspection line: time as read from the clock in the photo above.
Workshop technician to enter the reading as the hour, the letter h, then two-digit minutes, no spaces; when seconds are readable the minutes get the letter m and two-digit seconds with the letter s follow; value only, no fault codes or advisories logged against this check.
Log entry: 4h24
